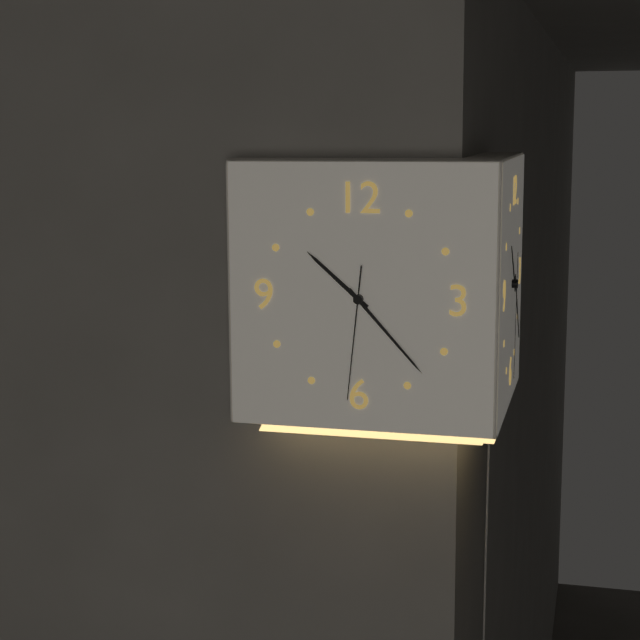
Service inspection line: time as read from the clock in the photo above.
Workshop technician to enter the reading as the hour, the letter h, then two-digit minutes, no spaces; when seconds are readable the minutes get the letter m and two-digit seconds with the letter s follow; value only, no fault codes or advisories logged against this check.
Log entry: 10h23m31s
